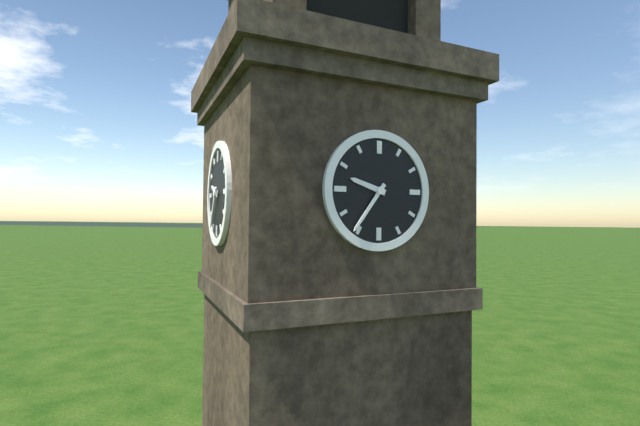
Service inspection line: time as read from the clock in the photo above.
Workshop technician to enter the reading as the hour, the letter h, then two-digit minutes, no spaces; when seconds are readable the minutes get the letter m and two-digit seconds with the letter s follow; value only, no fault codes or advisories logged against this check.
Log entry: 9h36
